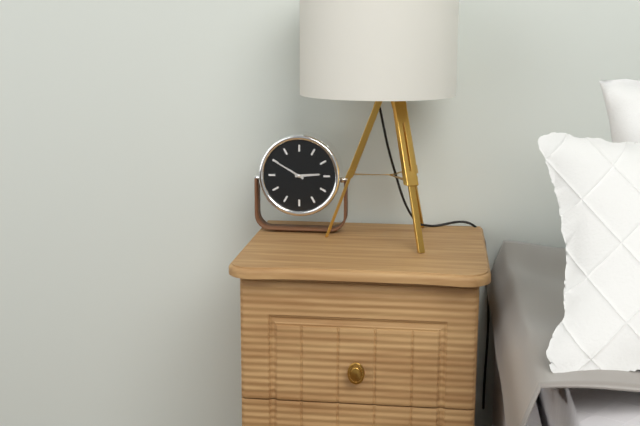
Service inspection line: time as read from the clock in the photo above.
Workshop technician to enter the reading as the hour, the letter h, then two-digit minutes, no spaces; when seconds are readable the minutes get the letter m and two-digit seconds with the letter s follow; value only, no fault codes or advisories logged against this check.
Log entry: 2h50
